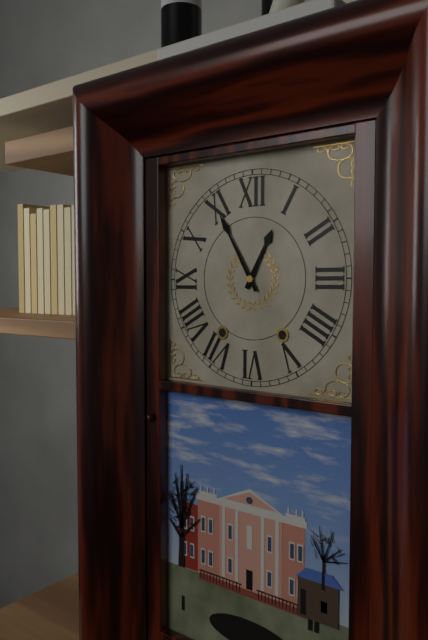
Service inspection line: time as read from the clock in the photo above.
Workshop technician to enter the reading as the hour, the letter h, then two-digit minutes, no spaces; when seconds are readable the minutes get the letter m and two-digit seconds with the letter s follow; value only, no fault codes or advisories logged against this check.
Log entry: 12h55
